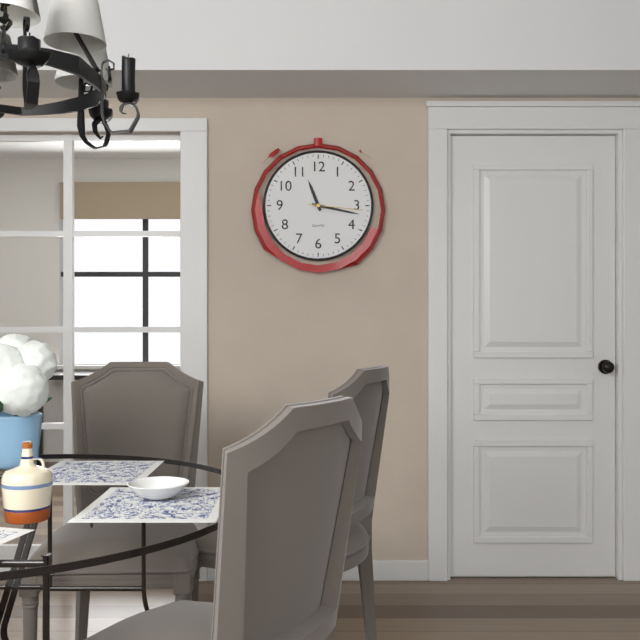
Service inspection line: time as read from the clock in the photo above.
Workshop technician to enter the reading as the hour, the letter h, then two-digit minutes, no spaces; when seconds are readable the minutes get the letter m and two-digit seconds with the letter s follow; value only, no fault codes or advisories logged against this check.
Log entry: 11h17m16s
